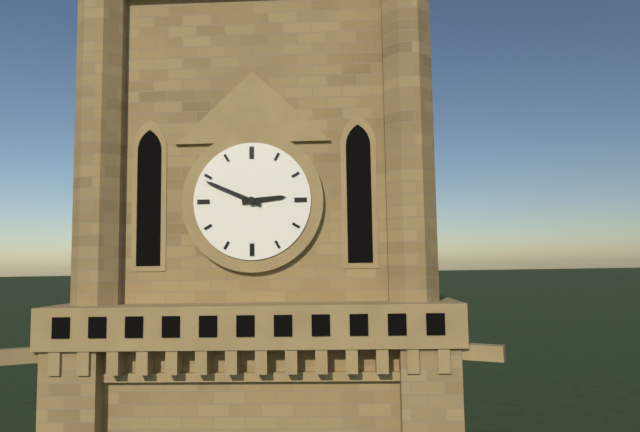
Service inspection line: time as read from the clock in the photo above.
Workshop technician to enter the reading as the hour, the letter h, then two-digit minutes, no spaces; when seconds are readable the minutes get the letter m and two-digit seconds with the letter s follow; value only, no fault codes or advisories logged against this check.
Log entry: 2h49
